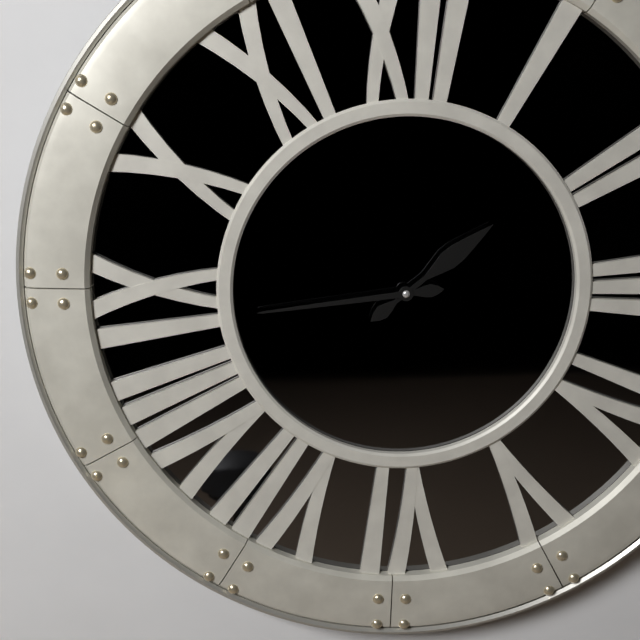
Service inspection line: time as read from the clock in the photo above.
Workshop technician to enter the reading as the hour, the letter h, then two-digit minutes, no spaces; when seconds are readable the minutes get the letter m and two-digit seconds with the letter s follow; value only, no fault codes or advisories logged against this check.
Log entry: 1h44
